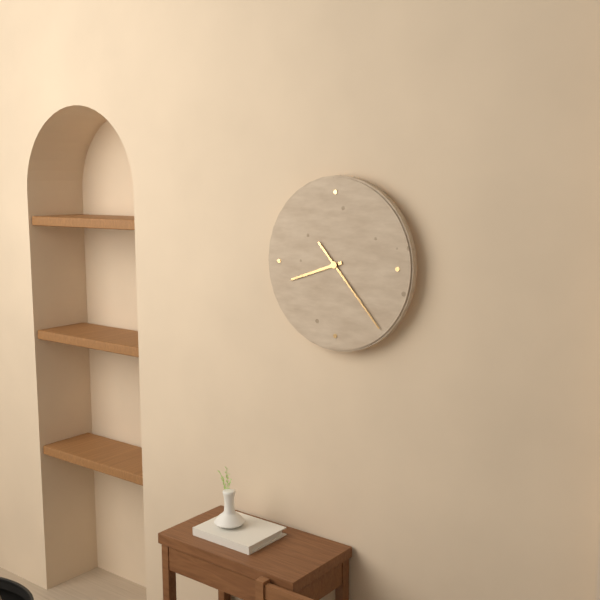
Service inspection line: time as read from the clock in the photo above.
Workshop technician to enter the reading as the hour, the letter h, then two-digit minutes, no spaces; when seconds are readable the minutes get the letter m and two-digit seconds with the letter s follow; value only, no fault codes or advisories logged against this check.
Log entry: 8h23
